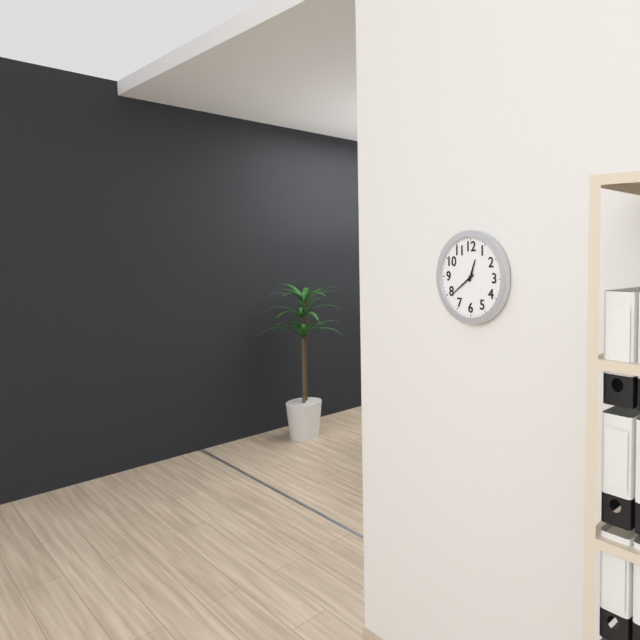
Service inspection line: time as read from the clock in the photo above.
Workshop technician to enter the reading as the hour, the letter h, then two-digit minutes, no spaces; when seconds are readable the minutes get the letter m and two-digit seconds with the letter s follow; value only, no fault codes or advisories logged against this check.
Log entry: 12h39
